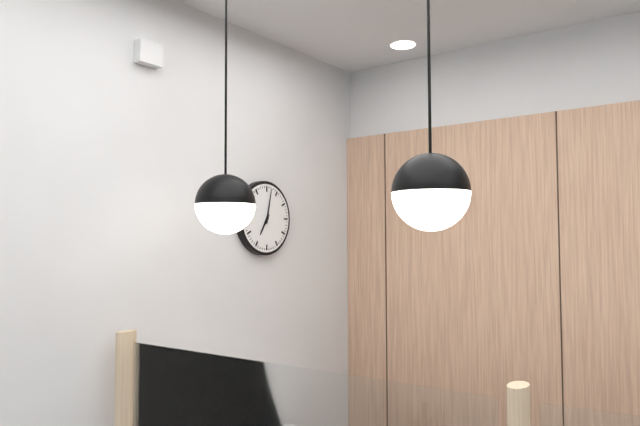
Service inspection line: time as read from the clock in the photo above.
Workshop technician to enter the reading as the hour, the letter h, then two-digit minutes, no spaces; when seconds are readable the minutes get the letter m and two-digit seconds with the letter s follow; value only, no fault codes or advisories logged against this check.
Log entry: 7h02
